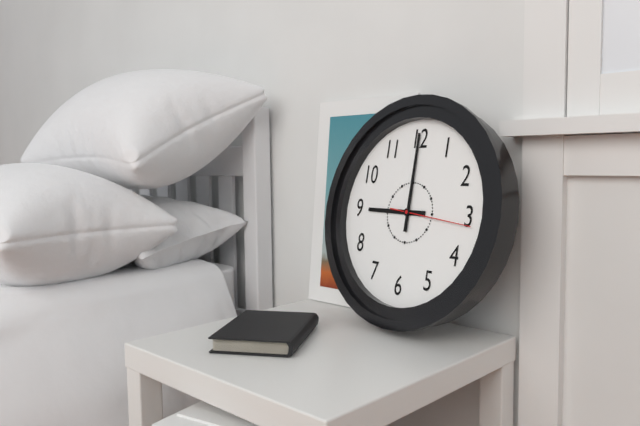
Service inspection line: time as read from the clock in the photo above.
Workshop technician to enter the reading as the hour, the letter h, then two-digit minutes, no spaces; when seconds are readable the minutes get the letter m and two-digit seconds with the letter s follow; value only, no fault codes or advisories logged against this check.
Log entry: 9h00m16s
